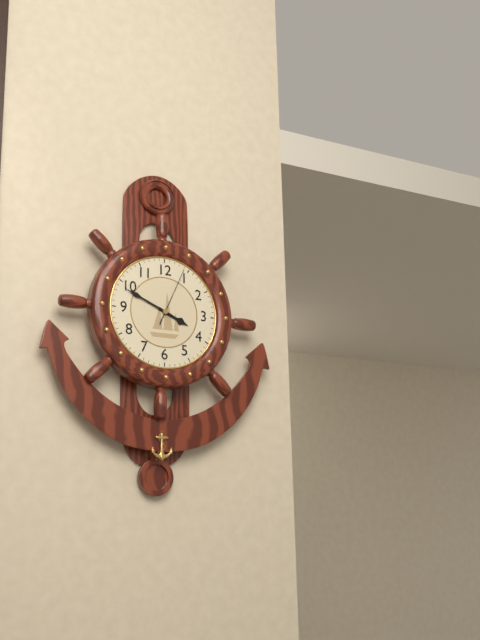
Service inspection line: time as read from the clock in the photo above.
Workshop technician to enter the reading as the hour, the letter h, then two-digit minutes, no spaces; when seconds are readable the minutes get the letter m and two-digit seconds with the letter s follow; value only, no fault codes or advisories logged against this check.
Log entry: 3h49m04s
